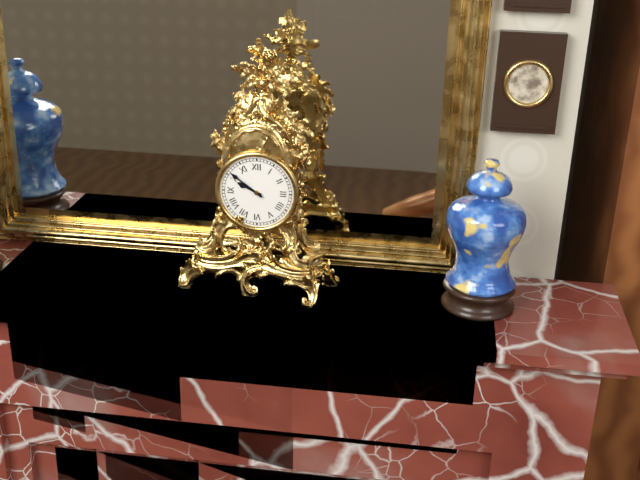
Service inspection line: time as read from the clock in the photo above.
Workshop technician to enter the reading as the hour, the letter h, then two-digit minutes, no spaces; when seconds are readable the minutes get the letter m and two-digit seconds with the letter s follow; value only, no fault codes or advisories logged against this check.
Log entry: 9h51
